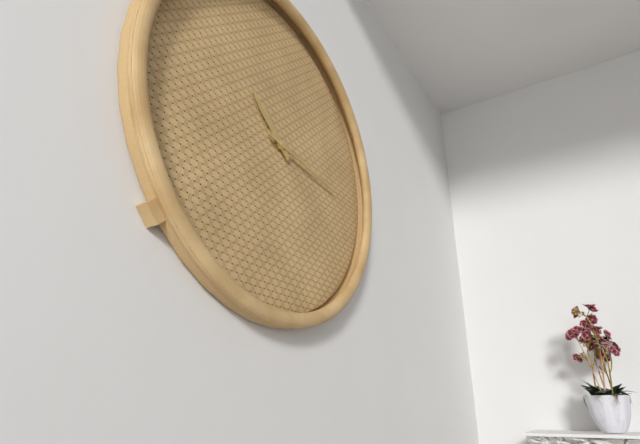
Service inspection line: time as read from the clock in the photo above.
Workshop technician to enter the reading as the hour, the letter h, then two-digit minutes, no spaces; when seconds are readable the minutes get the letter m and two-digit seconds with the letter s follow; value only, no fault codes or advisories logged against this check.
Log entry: 10h16
